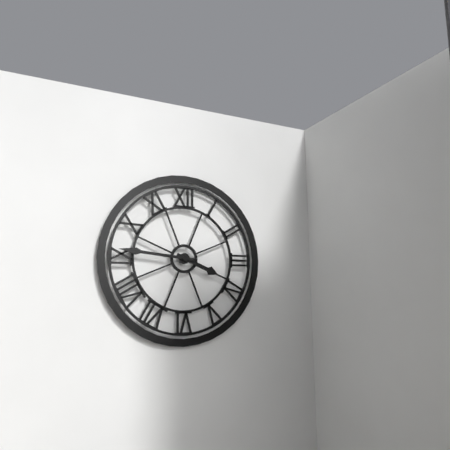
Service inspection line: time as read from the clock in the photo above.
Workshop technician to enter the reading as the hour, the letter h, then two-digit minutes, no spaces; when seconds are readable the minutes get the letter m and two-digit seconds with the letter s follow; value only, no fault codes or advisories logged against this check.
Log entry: 3h46
